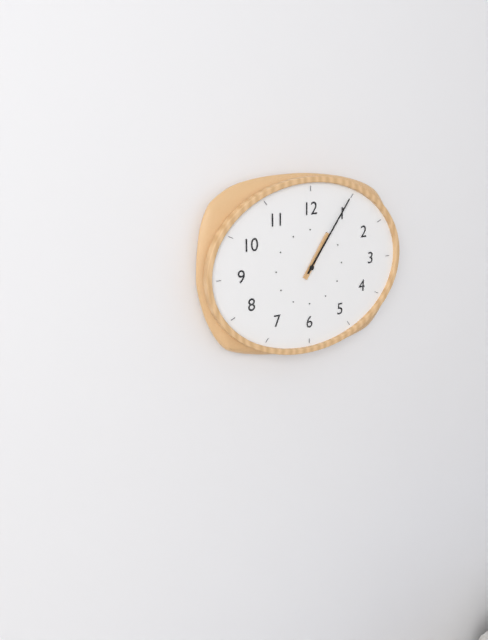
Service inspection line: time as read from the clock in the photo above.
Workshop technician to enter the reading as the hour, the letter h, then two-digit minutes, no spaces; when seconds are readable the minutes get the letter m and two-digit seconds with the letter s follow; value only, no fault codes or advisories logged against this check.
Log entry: 1h06
